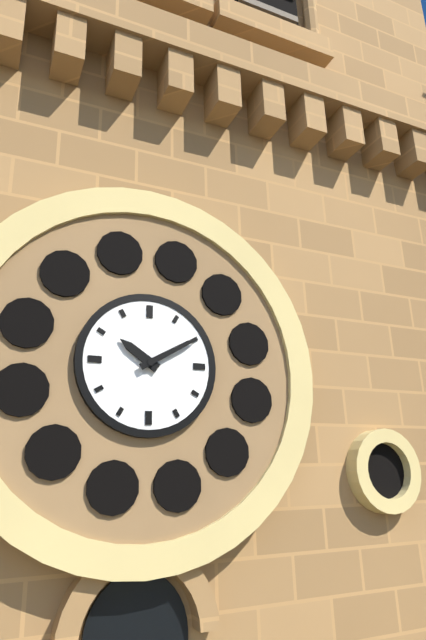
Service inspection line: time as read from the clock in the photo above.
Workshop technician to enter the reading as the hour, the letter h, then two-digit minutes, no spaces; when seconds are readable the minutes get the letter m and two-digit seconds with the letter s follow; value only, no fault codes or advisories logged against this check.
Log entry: 10h10
